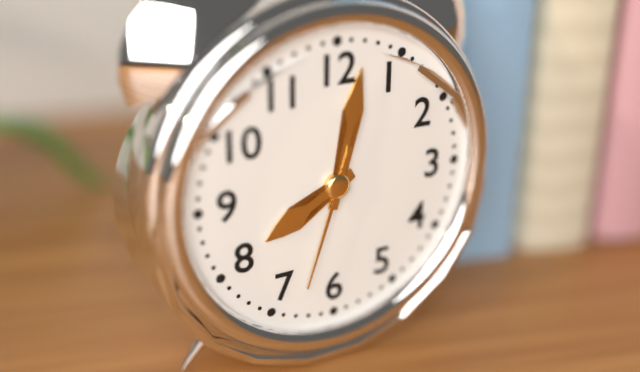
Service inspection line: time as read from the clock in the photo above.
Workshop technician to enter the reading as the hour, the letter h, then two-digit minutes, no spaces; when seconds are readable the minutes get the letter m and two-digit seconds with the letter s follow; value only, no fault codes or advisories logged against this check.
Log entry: 8h02m33s
